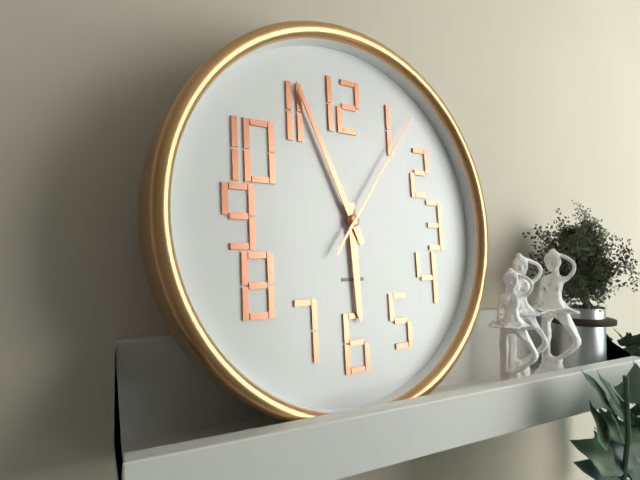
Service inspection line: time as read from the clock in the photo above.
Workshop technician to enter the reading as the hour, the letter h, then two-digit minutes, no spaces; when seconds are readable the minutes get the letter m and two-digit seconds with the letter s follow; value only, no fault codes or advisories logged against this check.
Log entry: 5h56m06s
